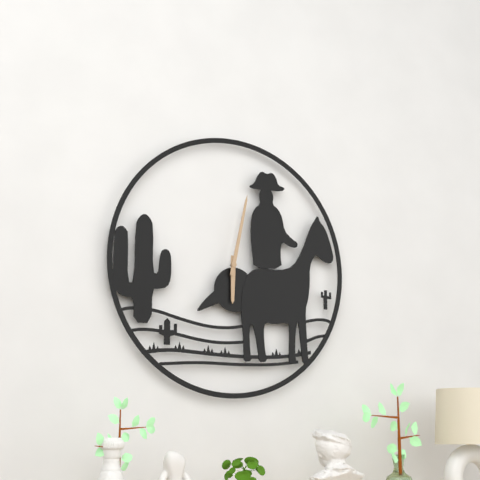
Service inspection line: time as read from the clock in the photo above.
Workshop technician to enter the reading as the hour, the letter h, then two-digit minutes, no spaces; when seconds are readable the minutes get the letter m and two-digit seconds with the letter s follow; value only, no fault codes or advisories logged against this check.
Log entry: 6h02
